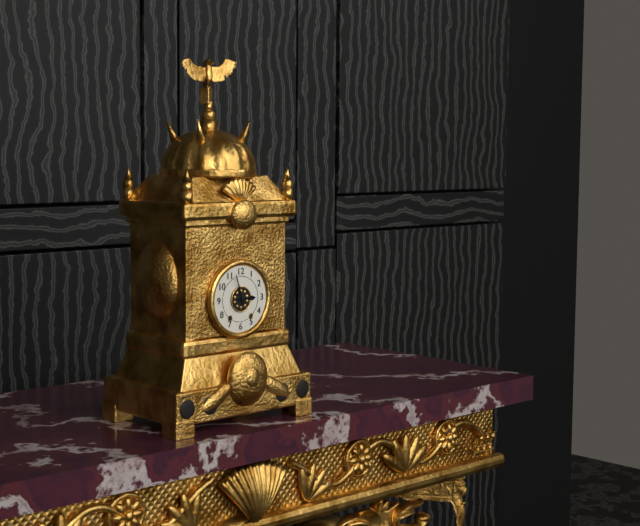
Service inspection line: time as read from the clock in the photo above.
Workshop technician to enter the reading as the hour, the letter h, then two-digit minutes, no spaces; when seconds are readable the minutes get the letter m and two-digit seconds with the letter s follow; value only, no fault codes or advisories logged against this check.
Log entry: 2h57
